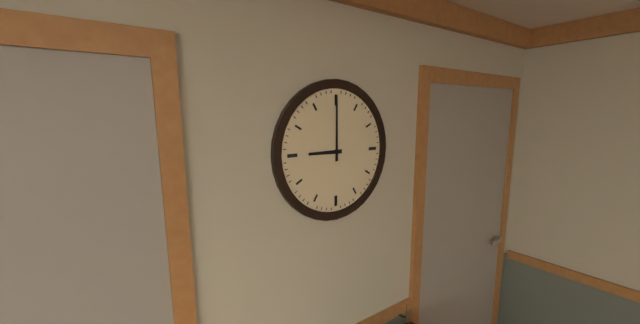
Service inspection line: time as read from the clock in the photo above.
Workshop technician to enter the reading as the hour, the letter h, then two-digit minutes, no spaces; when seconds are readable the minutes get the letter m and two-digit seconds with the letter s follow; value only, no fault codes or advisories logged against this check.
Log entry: 9h00
